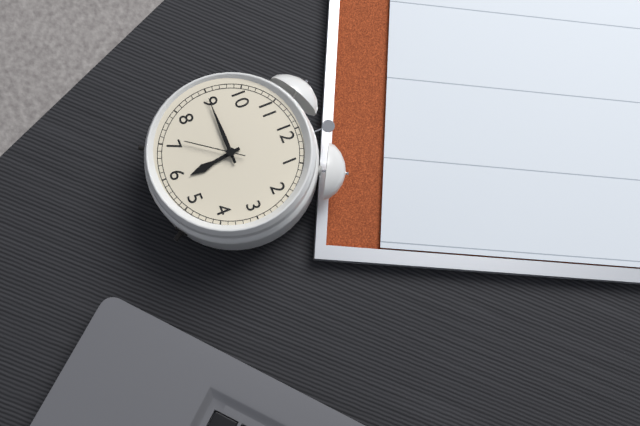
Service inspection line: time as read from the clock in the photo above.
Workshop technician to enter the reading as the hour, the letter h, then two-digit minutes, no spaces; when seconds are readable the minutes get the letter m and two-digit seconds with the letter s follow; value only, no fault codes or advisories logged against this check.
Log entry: 5h45m36s
